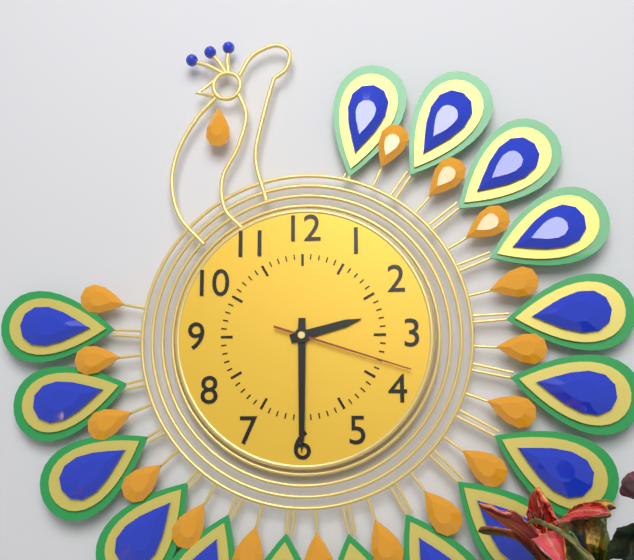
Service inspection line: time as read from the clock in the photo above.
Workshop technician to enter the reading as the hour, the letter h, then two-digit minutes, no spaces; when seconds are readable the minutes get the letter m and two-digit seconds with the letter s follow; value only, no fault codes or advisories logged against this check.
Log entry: 2h30m18s
